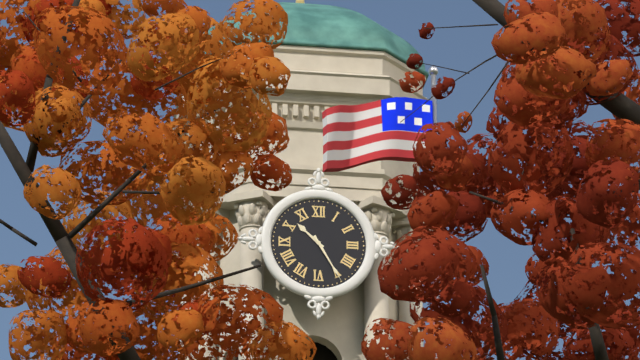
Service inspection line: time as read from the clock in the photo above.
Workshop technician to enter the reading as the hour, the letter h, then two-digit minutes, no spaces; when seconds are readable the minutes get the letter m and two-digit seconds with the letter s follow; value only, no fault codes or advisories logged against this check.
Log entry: 10h25
